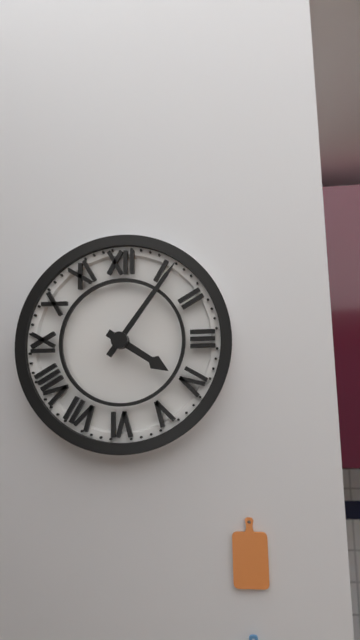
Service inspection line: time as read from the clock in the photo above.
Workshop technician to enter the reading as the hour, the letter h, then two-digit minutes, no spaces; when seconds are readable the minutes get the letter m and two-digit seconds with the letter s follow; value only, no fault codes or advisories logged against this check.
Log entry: 4h06
